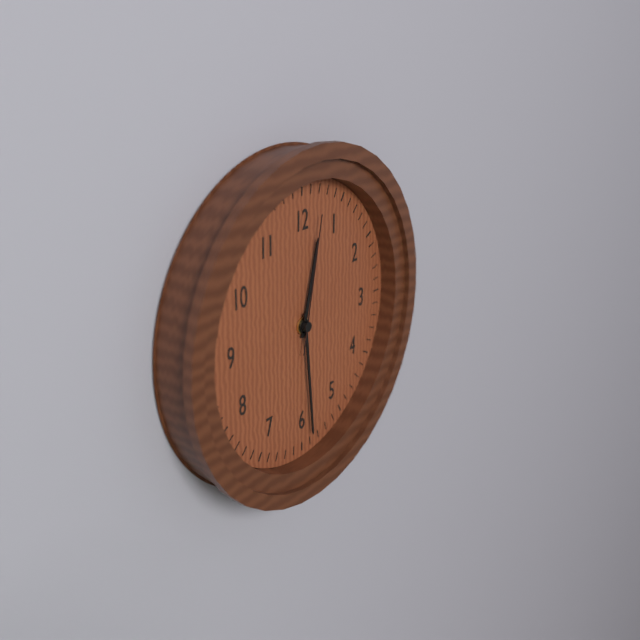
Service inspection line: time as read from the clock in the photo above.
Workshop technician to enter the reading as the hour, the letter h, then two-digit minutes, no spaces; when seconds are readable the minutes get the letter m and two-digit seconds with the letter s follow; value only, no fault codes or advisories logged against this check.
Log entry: 12h29m02s
